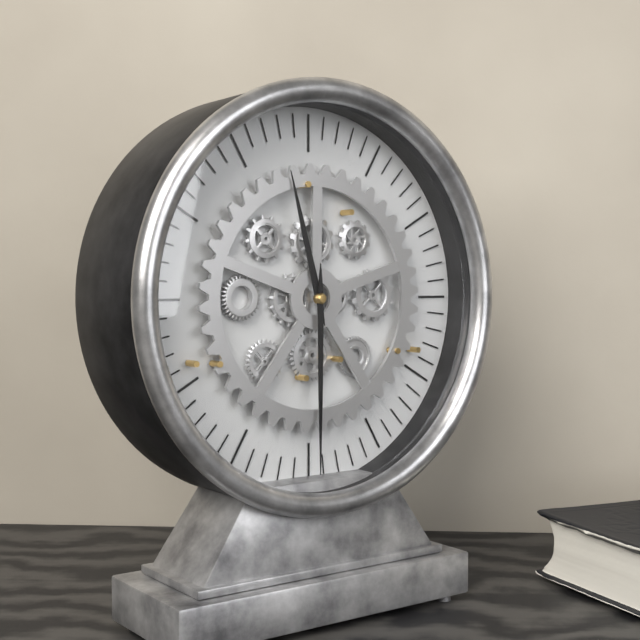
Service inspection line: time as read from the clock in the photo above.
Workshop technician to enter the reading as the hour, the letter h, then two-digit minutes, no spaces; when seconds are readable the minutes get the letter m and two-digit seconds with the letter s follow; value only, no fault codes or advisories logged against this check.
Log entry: 11h30
